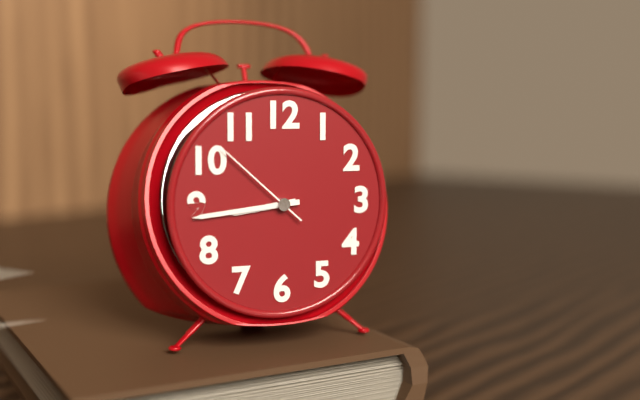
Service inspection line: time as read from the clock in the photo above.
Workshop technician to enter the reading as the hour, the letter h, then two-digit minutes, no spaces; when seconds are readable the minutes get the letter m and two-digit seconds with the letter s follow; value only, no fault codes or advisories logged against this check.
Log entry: 8h44m52s
